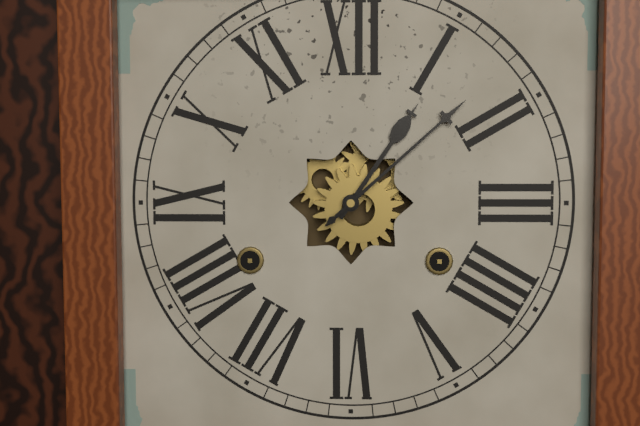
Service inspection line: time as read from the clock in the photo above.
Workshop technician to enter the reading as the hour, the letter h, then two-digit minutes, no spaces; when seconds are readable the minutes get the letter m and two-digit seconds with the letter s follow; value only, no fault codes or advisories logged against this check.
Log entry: 1h08
